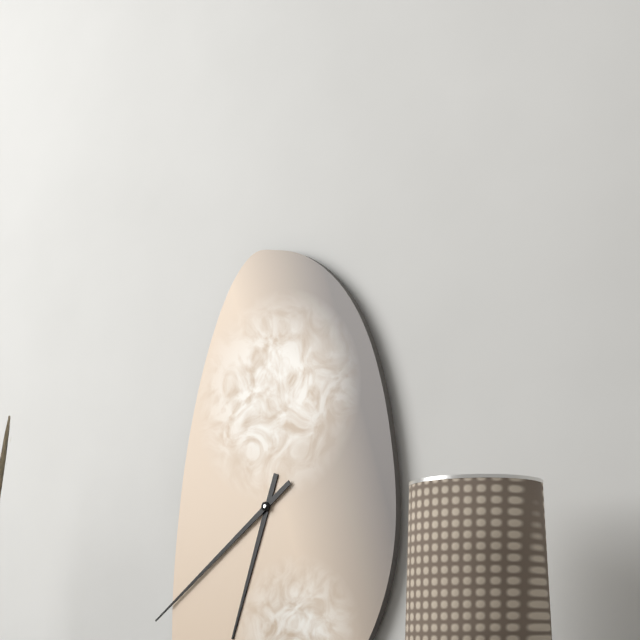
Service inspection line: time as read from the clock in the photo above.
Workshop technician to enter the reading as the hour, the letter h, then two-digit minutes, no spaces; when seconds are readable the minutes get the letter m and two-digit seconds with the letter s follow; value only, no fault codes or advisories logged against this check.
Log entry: 6h39
